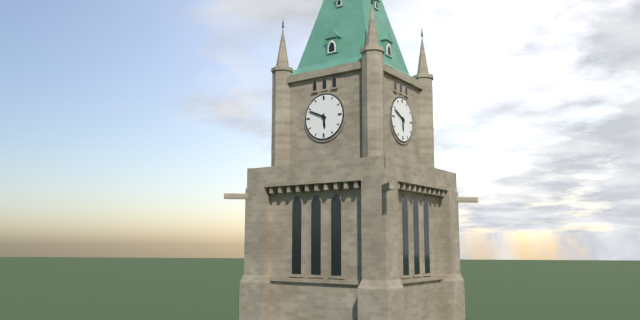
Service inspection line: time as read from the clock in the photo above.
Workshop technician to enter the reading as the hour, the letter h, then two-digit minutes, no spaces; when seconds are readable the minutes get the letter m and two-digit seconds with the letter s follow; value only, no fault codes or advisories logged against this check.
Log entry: 5h49
